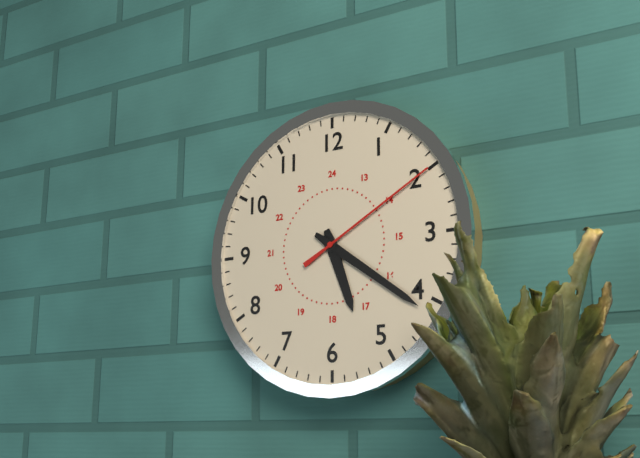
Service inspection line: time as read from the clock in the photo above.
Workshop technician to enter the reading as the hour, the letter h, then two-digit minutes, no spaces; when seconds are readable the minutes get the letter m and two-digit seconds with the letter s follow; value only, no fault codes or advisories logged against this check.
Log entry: 5h21m10s
